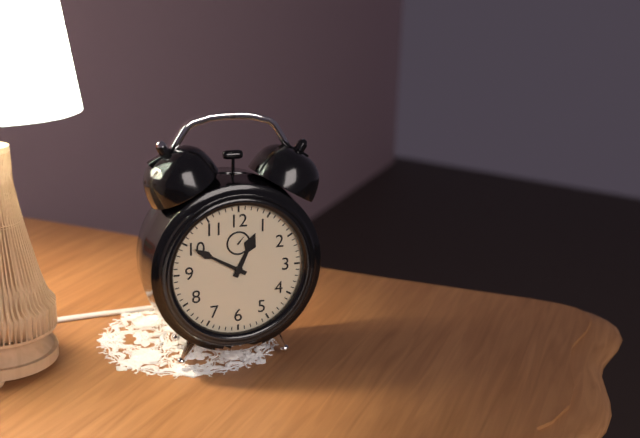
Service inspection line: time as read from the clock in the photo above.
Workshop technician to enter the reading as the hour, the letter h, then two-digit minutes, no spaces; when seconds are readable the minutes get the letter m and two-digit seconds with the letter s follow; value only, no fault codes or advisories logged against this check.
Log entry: 12h50
